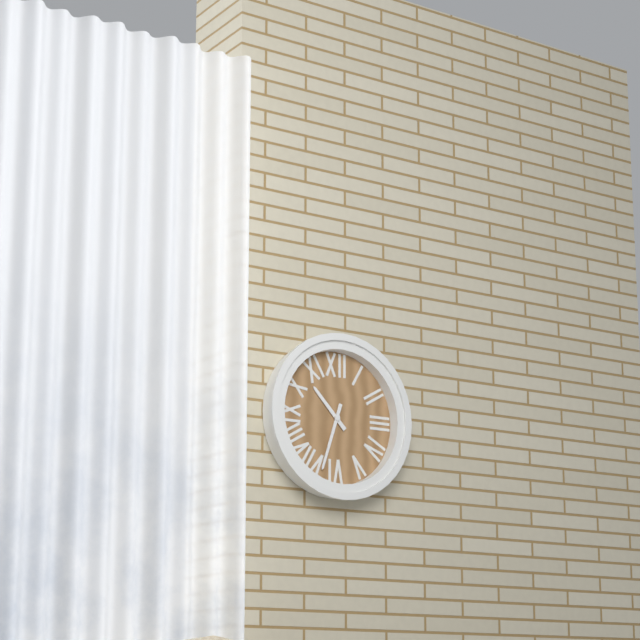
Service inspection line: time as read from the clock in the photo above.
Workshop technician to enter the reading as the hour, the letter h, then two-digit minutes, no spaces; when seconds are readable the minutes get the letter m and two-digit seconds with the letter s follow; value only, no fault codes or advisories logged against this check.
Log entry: 10h33
